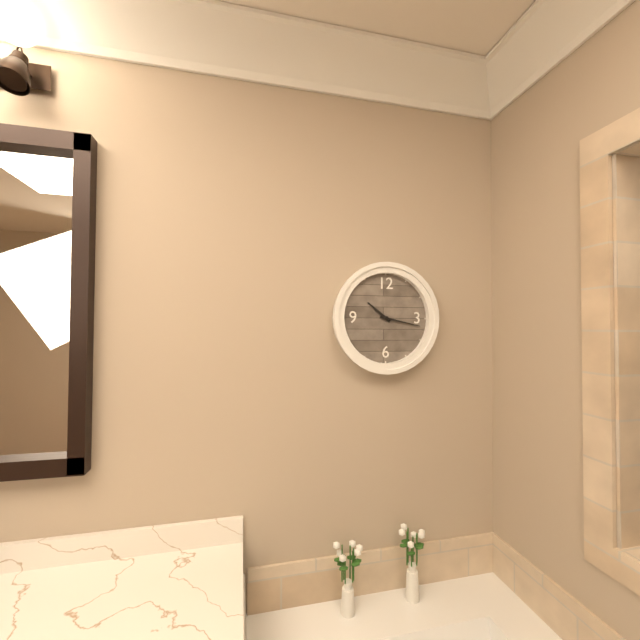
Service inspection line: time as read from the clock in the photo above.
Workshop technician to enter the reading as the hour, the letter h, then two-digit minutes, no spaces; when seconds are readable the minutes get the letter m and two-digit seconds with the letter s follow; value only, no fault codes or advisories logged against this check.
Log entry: 10h17
